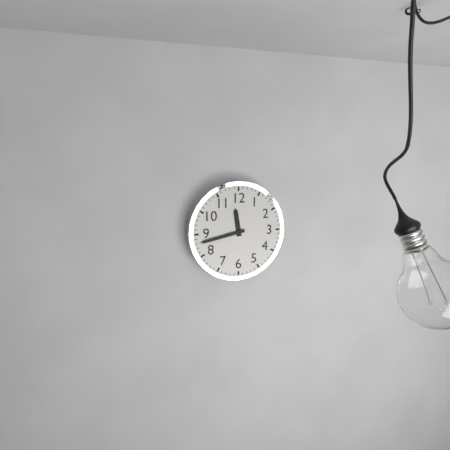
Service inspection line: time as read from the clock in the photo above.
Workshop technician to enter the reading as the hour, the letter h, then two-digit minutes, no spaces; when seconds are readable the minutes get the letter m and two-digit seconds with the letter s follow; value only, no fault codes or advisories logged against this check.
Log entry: 11h43
